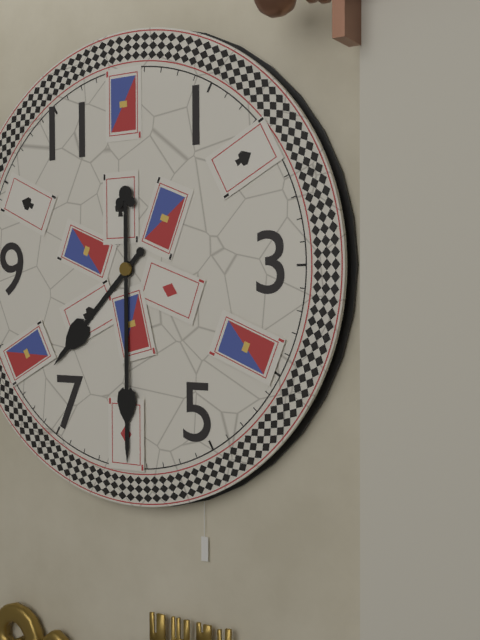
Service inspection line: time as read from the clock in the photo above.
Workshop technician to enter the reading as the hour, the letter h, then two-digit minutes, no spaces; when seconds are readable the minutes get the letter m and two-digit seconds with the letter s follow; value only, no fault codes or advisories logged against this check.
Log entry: 7h30
